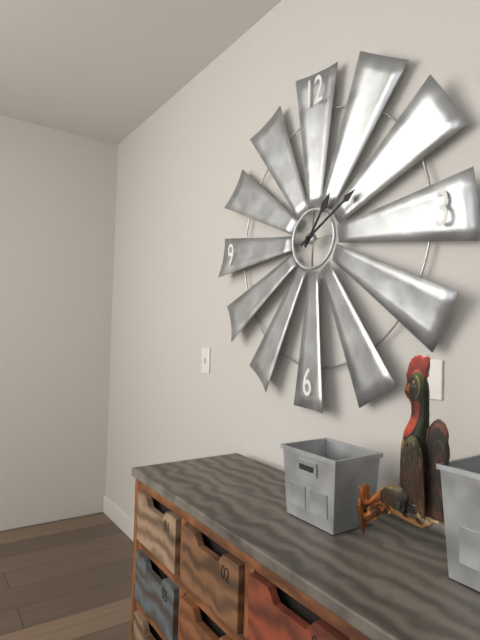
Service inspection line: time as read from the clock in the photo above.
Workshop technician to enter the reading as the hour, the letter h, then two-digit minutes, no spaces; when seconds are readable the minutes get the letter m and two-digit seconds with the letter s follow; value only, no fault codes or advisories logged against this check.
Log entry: 1h10
